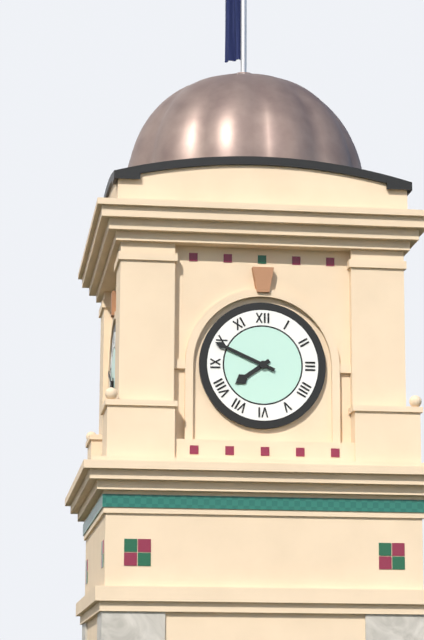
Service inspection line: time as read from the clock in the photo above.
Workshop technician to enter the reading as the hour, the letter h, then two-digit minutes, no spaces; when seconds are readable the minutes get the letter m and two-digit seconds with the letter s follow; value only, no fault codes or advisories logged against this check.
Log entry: 7h49
